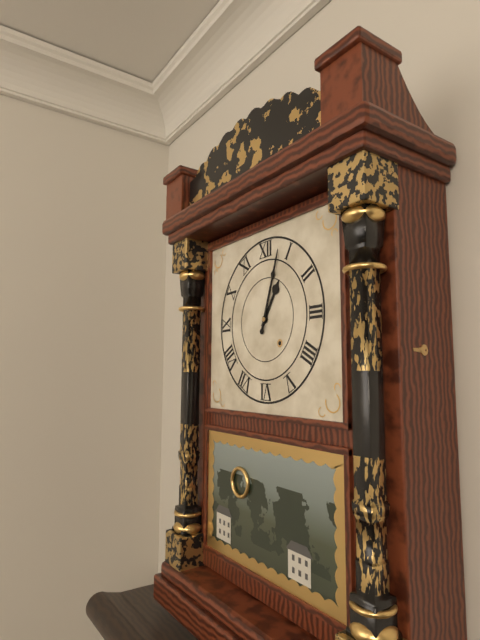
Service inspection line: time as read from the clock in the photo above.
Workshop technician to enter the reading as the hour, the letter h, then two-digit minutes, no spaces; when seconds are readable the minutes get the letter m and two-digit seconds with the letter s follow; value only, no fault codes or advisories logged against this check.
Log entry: 1h03
